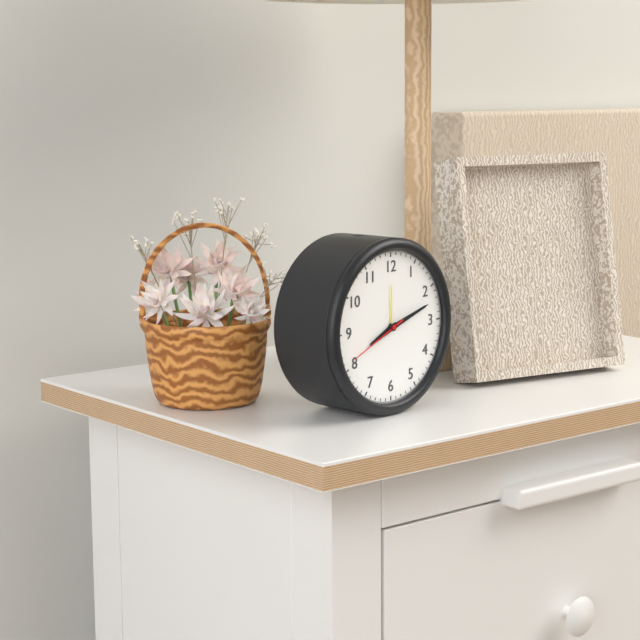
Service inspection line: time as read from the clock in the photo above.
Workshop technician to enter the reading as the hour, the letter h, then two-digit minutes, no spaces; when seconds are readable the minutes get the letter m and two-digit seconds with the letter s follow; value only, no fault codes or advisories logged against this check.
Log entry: 8h12m41s
